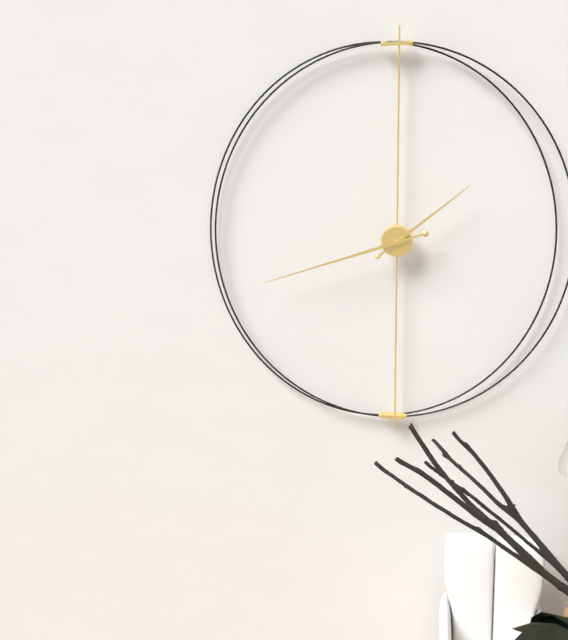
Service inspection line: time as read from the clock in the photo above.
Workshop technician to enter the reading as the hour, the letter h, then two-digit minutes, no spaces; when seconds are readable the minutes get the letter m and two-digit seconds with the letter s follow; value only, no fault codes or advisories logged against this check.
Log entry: 1h42
